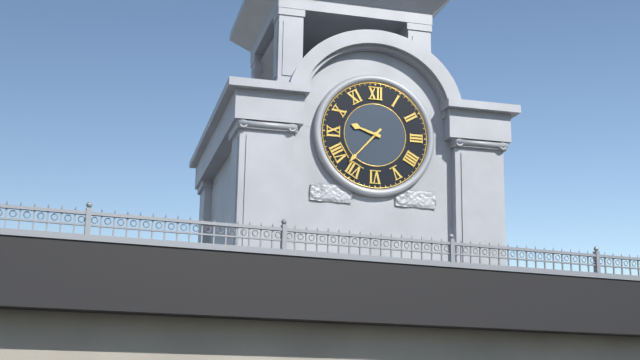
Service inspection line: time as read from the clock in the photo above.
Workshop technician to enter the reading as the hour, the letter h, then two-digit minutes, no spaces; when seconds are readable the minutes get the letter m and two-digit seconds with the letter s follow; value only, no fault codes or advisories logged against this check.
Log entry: 9h37
